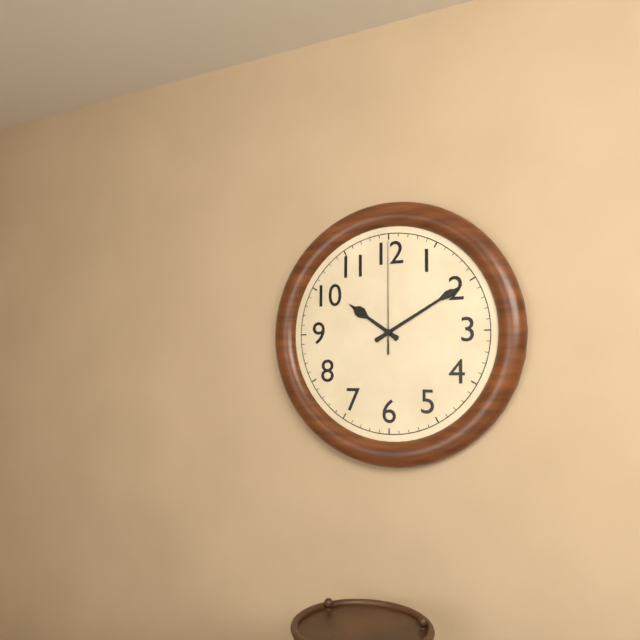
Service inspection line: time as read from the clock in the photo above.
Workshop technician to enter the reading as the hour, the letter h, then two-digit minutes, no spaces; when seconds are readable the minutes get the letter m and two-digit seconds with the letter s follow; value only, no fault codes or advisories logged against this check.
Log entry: 10h10m00s
